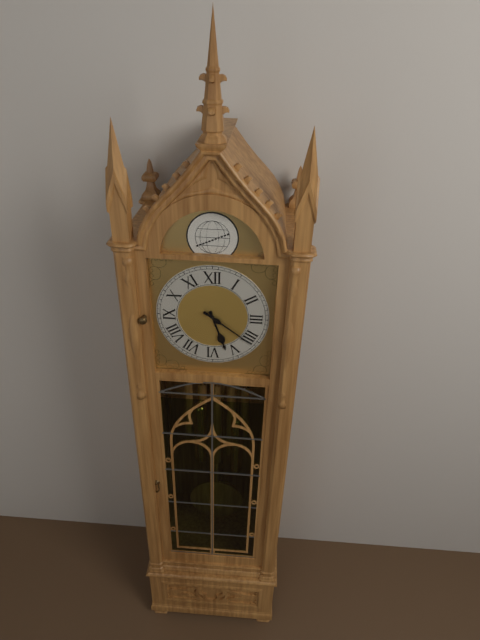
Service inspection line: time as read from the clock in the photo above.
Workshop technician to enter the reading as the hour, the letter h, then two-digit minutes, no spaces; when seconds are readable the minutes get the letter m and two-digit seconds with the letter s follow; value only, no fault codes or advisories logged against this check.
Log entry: 5h21
